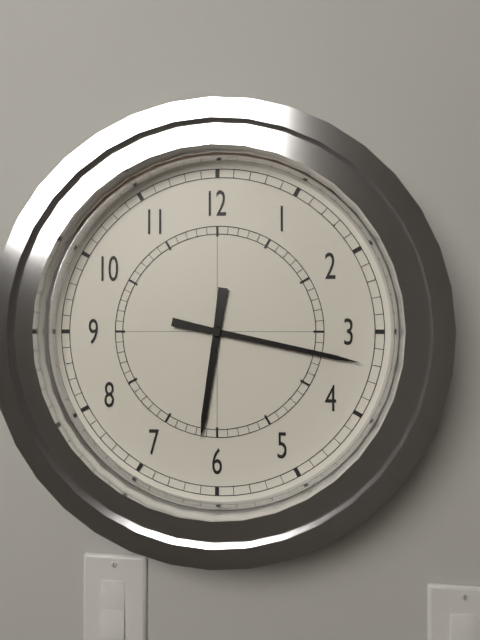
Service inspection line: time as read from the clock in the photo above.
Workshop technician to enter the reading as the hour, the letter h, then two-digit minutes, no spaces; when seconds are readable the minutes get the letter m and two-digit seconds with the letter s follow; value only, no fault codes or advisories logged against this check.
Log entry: 6h17
